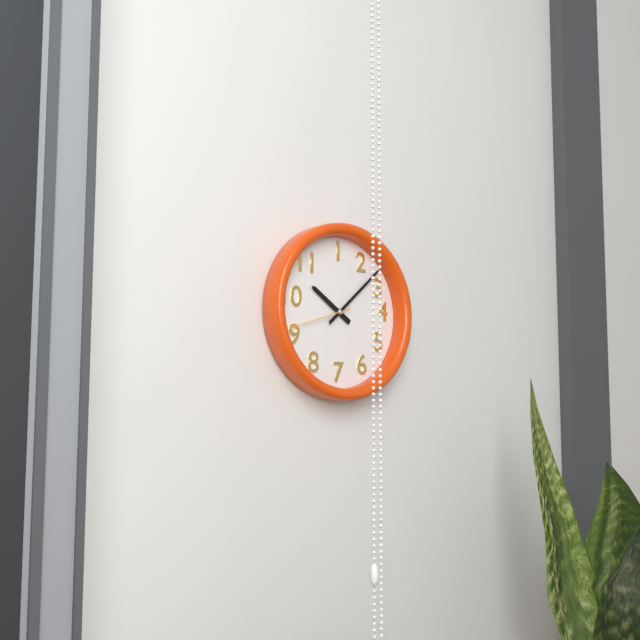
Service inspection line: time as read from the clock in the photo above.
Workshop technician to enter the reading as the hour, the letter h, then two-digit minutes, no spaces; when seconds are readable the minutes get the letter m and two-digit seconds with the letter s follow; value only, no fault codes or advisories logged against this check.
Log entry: 10h08m42s
